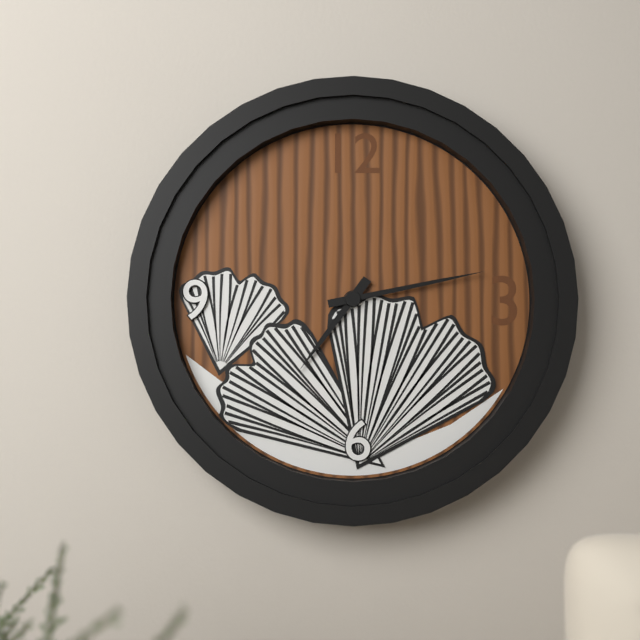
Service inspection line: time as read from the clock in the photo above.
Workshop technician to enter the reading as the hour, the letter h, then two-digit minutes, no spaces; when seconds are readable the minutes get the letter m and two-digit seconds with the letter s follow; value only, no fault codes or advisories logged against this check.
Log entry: 7h13
